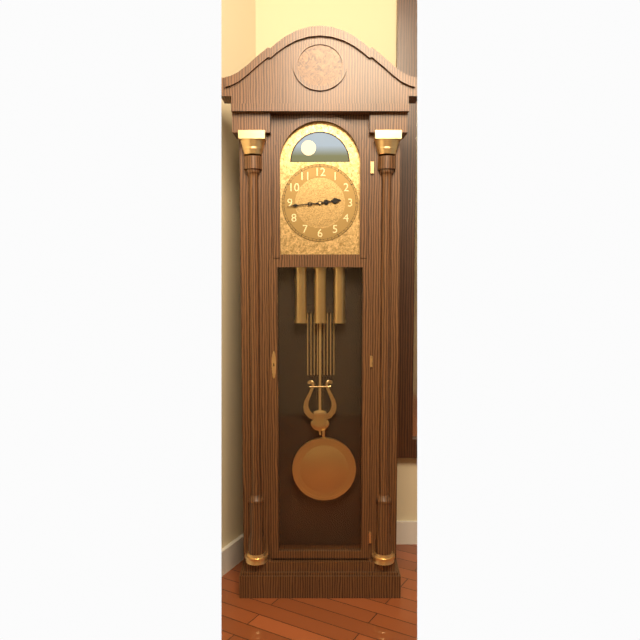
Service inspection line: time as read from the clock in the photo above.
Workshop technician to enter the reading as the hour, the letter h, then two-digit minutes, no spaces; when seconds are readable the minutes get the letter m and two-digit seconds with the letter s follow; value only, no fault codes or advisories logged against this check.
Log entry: 2h44
